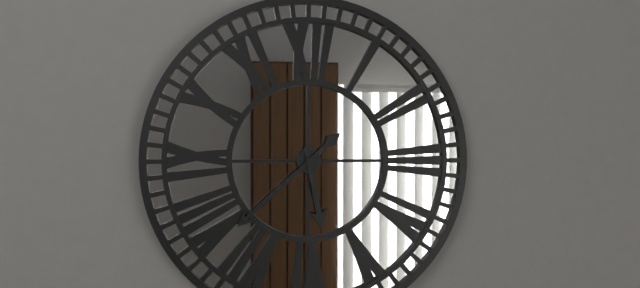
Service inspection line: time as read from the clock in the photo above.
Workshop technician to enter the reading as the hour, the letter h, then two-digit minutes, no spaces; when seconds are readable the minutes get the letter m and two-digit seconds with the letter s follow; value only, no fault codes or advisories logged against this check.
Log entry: 5h38
